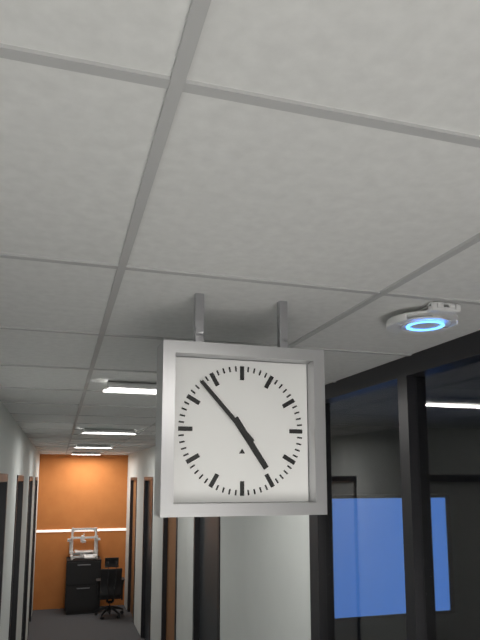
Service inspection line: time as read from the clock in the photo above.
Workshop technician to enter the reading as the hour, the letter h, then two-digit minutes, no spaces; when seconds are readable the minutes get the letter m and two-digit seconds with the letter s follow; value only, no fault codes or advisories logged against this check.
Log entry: 4h53
